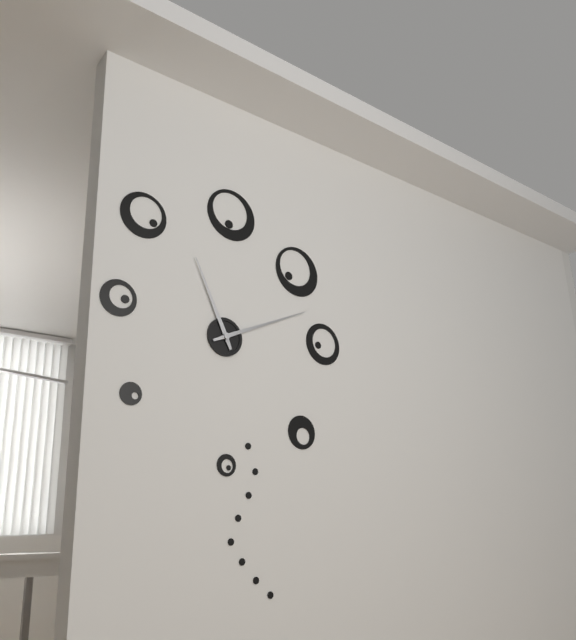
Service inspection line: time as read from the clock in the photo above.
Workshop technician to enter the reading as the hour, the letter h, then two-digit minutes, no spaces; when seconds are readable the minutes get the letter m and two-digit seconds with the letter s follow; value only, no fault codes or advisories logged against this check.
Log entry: 11h11
